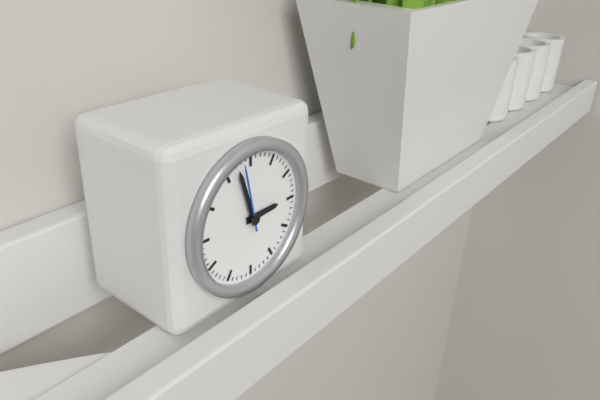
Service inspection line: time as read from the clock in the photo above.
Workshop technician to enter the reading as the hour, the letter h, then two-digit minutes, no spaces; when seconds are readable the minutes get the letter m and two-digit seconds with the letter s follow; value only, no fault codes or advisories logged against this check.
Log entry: 2h57m58s
